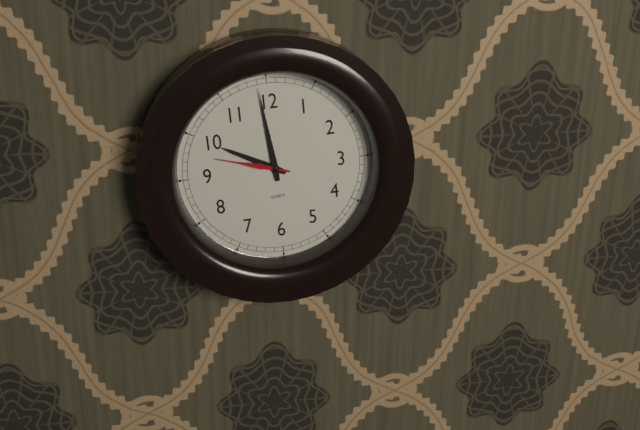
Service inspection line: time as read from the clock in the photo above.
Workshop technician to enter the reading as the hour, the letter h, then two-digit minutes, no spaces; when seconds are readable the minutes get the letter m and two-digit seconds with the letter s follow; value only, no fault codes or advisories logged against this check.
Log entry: 9h59m48s
